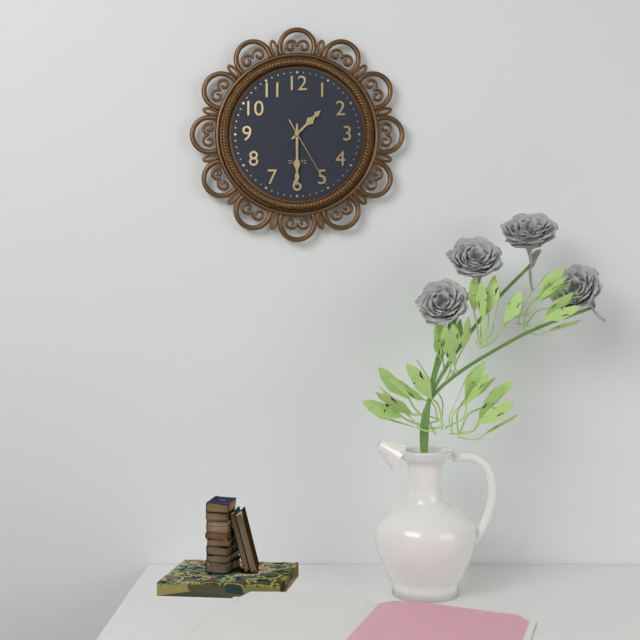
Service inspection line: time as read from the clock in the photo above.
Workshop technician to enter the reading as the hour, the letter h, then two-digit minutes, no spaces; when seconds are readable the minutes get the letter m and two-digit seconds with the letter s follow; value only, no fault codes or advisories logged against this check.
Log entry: 1h30m25s
